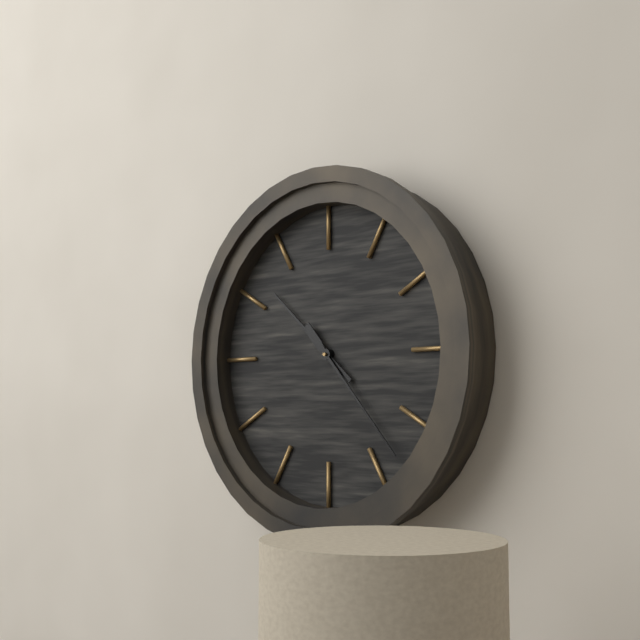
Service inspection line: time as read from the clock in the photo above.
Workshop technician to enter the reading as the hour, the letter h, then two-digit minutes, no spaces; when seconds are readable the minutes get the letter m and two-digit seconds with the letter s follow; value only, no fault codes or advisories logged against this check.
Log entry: 10h23
